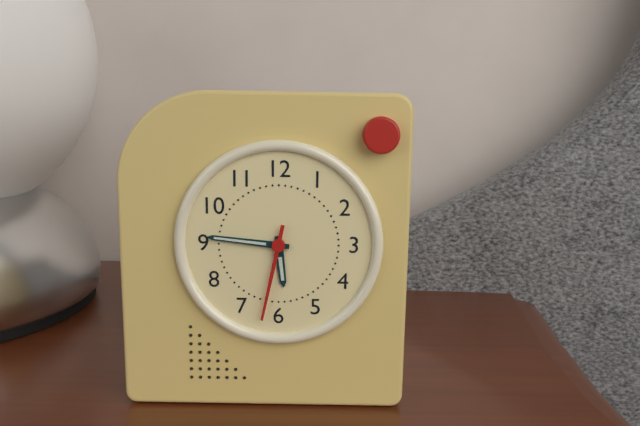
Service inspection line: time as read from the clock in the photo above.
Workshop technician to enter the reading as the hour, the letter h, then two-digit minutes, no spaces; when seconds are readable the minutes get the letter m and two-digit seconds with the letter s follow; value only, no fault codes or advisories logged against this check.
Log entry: 5h46m32s
